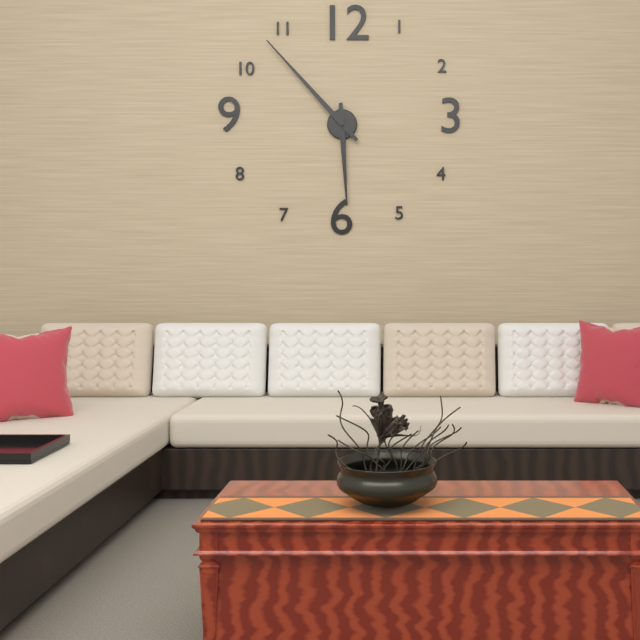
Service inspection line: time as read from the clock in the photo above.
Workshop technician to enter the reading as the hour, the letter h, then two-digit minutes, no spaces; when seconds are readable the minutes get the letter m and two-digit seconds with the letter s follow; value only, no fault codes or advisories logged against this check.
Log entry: 5h53
